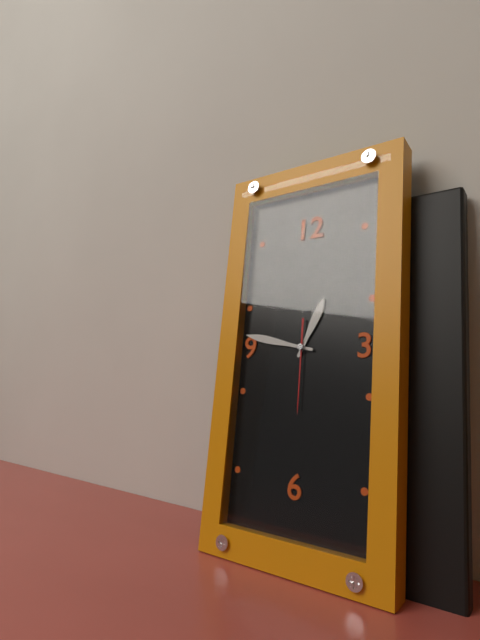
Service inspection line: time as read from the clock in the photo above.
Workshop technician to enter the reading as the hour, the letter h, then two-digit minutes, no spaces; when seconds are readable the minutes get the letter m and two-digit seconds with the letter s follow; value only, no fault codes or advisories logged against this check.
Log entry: 12h47m30s
